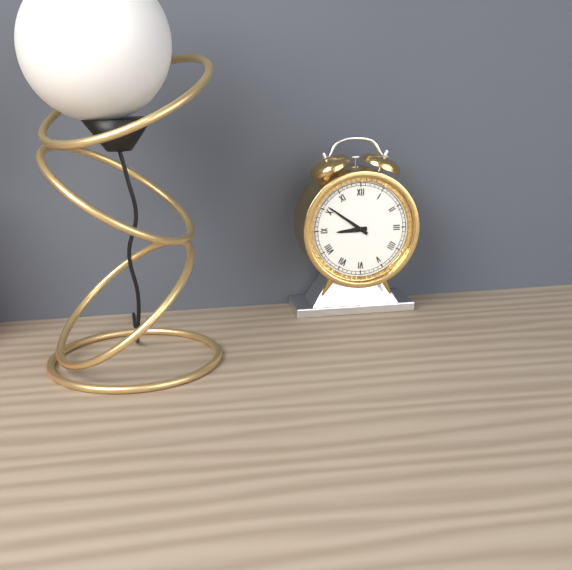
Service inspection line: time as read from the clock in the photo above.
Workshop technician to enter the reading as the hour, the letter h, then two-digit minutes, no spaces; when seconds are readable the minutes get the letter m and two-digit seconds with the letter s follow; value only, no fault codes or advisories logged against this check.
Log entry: 8h51
